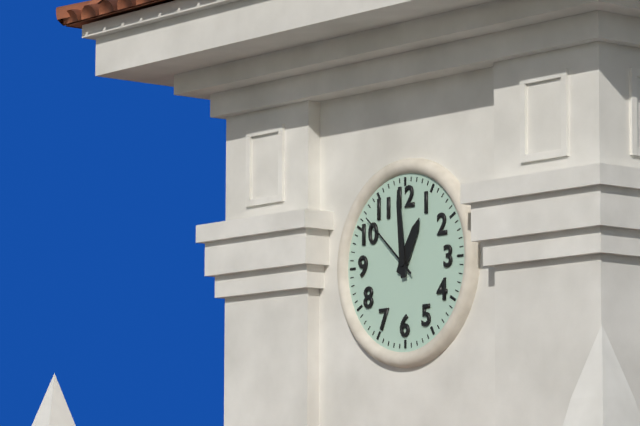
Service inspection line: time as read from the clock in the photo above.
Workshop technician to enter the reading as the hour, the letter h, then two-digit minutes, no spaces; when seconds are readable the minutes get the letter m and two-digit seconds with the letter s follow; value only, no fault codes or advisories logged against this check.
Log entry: 12h59m52s
